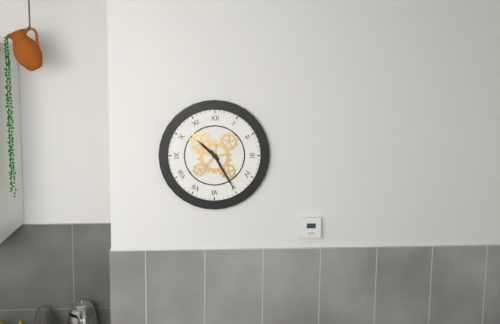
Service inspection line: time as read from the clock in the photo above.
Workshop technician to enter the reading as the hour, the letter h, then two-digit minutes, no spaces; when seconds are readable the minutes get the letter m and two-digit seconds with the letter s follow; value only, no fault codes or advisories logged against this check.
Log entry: 10h25
